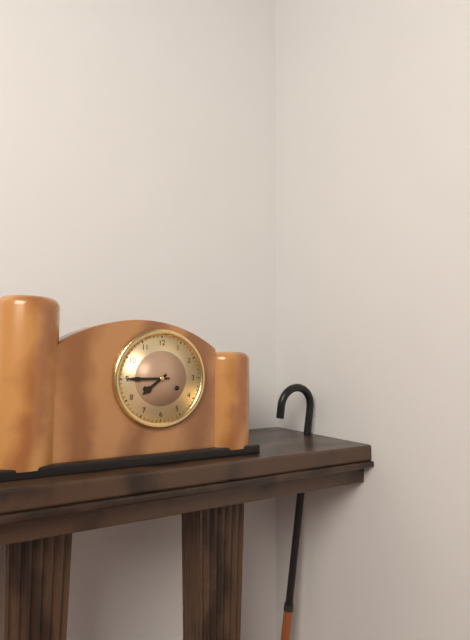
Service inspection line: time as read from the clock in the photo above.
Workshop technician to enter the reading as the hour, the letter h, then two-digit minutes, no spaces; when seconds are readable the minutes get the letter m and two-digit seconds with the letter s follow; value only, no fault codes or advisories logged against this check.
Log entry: 7h45
